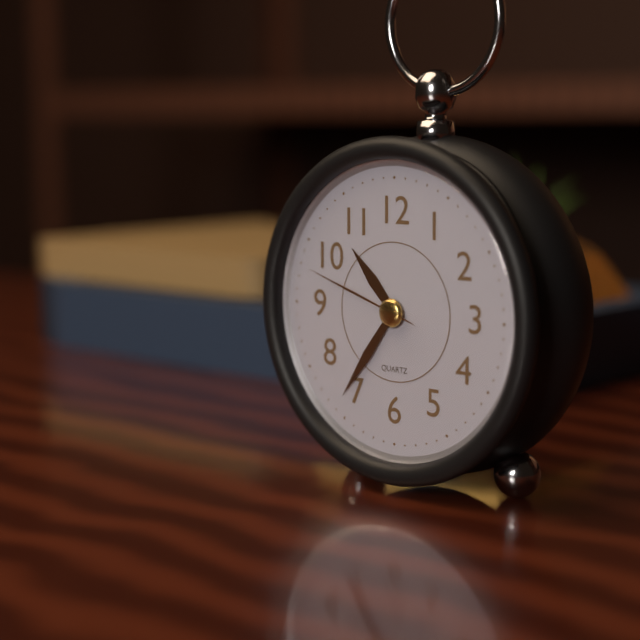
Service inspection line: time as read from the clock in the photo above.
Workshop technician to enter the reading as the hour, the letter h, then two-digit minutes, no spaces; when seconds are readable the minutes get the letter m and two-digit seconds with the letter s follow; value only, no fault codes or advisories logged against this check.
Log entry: 10h36m48s
